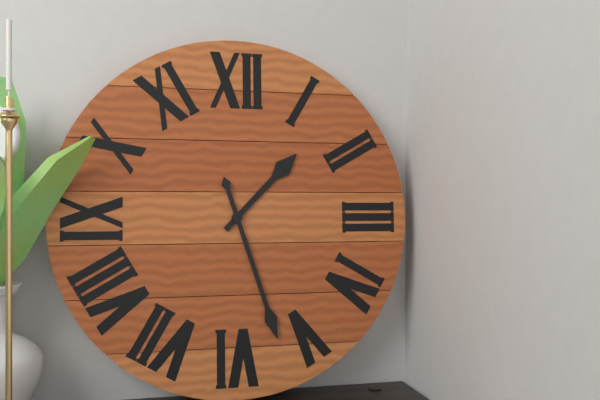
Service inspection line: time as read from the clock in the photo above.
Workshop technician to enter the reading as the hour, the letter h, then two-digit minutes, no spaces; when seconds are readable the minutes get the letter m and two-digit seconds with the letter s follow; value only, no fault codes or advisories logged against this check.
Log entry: 1h27
